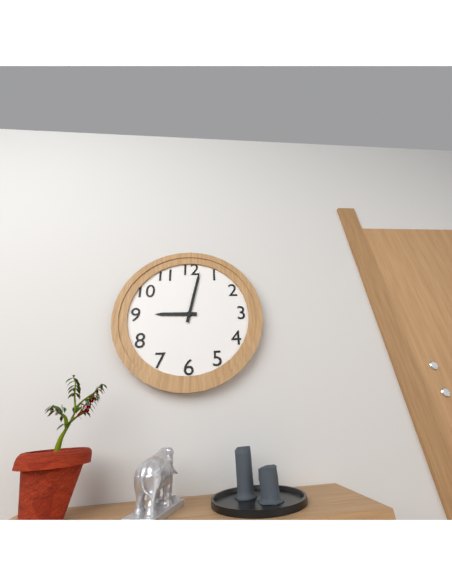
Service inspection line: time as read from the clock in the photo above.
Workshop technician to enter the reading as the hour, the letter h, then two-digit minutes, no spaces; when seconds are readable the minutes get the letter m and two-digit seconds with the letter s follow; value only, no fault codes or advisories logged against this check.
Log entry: 9h02
